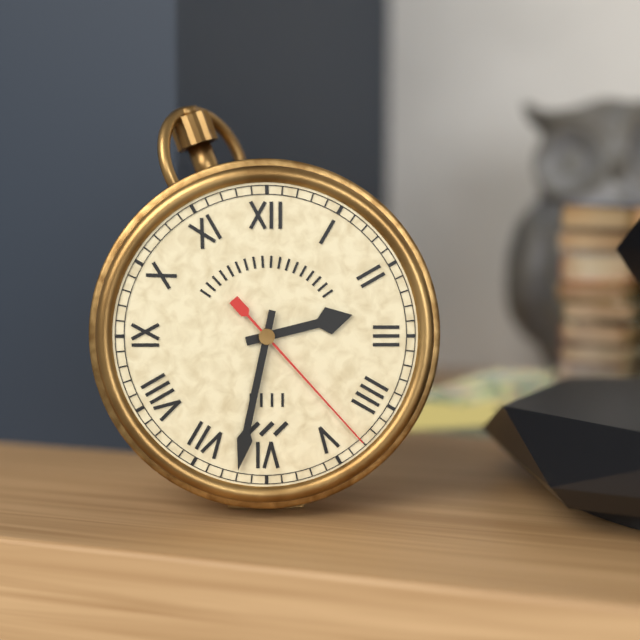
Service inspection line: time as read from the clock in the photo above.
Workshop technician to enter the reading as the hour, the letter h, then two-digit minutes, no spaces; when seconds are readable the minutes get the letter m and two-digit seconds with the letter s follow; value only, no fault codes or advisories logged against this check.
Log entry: 2h32m23s
